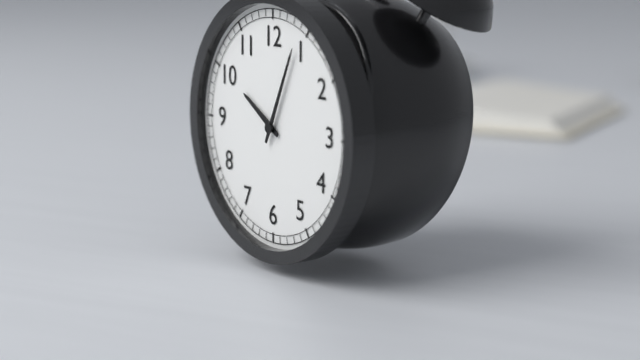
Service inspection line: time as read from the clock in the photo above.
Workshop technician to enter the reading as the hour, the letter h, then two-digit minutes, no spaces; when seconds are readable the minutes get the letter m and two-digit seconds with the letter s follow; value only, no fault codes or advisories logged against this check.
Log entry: 10h04
